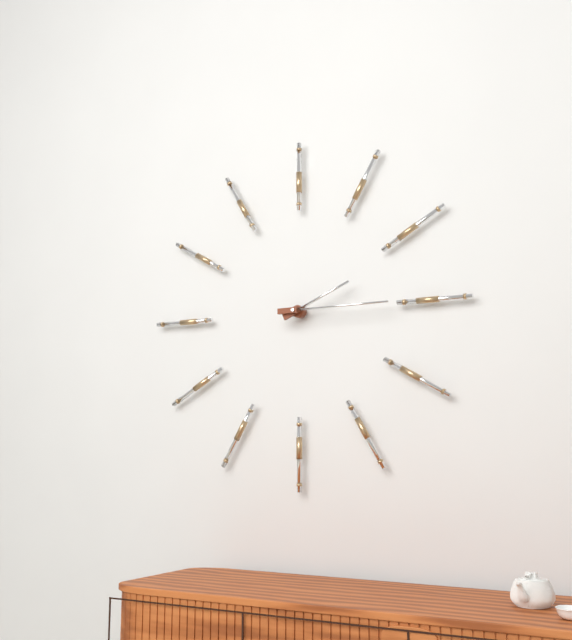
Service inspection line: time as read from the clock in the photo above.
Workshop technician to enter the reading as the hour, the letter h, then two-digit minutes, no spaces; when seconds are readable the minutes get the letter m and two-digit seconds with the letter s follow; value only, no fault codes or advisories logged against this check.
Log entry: 2h15
